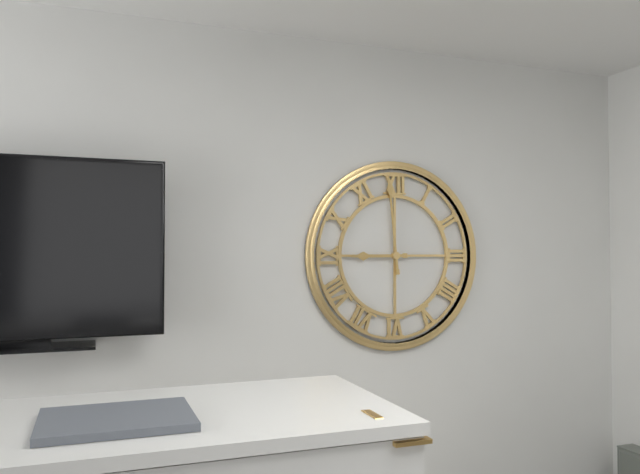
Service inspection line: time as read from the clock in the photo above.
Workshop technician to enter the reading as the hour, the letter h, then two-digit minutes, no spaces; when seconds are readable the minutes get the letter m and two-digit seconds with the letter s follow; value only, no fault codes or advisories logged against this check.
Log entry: 8h59
